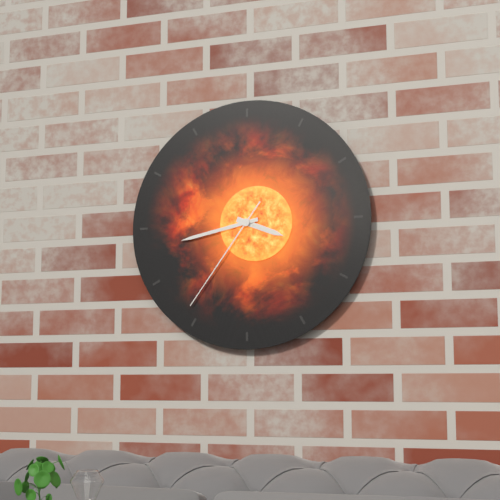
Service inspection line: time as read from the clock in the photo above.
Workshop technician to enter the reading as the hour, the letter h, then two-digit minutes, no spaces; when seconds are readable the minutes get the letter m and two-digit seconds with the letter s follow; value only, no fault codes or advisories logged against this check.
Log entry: 3h43m36s
